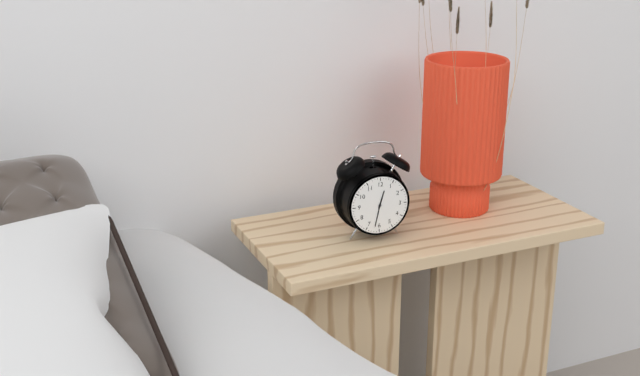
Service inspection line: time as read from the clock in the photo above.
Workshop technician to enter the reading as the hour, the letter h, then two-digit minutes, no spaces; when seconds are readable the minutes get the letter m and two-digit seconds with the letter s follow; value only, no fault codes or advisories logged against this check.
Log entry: 12h32
